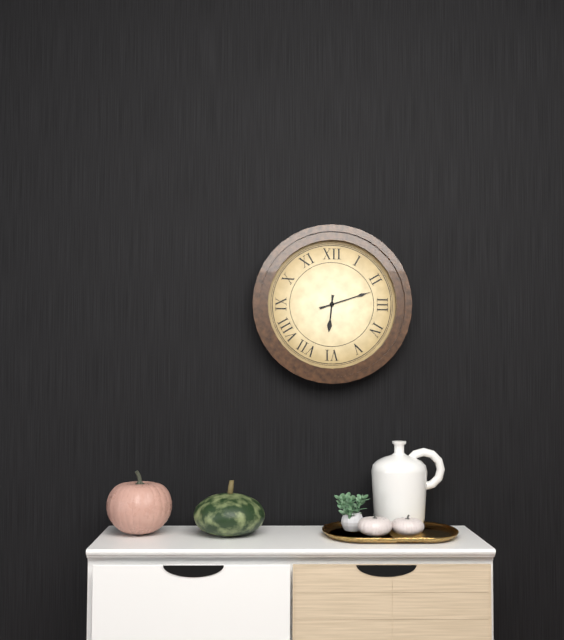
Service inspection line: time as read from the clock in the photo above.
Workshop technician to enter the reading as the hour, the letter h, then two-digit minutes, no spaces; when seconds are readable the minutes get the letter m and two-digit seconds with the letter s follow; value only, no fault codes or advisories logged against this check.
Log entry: 6h12
